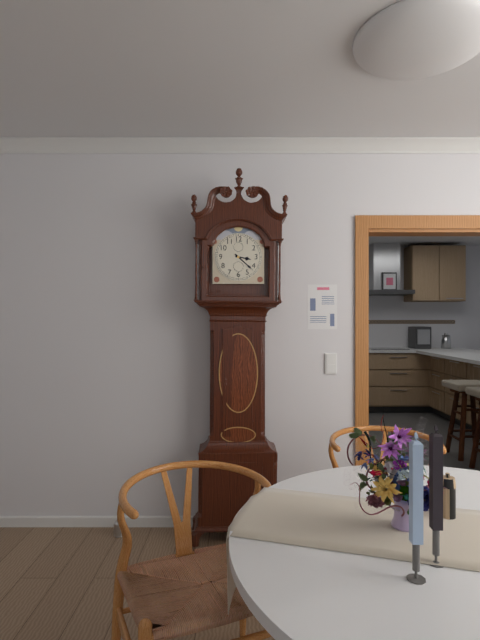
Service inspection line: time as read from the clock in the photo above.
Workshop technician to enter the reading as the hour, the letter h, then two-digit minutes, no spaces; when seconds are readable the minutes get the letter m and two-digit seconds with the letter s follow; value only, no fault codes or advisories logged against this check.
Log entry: 3h22
